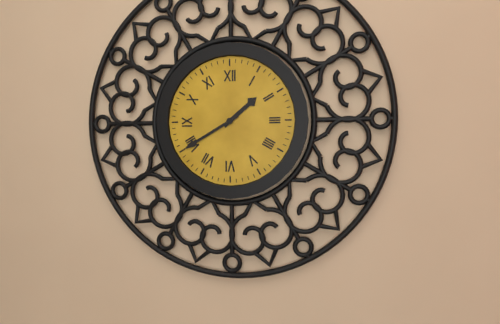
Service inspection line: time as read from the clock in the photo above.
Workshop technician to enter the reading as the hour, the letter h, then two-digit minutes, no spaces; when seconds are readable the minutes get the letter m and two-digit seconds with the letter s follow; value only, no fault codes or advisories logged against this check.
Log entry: 1h40
